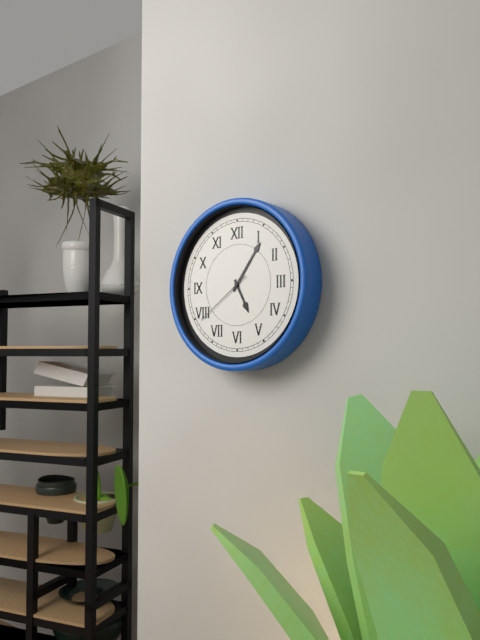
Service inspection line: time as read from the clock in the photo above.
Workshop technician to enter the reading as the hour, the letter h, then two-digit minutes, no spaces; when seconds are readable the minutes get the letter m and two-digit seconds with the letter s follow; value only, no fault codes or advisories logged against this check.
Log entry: 5h06m39s
